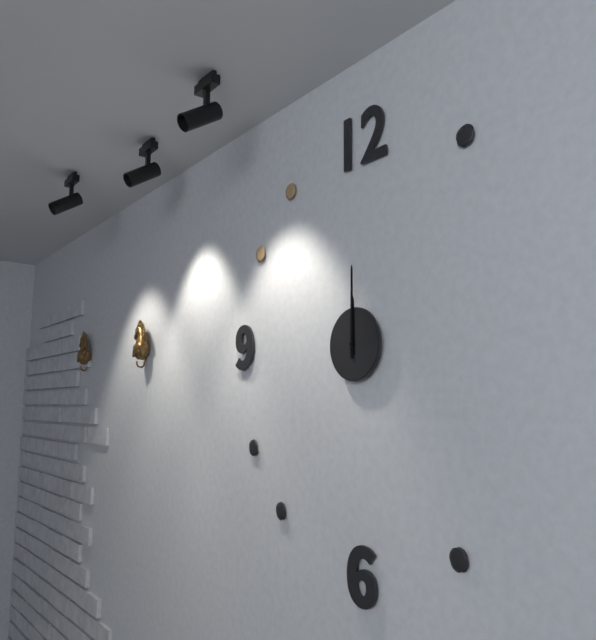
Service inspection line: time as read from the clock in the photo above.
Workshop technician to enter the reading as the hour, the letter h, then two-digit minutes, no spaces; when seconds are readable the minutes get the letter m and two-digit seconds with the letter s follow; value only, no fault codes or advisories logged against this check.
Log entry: 12h00
